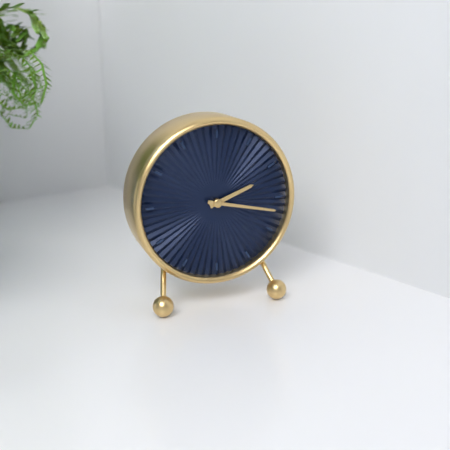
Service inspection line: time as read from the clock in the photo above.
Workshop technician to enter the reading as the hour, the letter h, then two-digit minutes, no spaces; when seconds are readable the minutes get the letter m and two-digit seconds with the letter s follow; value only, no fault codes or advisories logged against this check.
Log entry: 2h17
